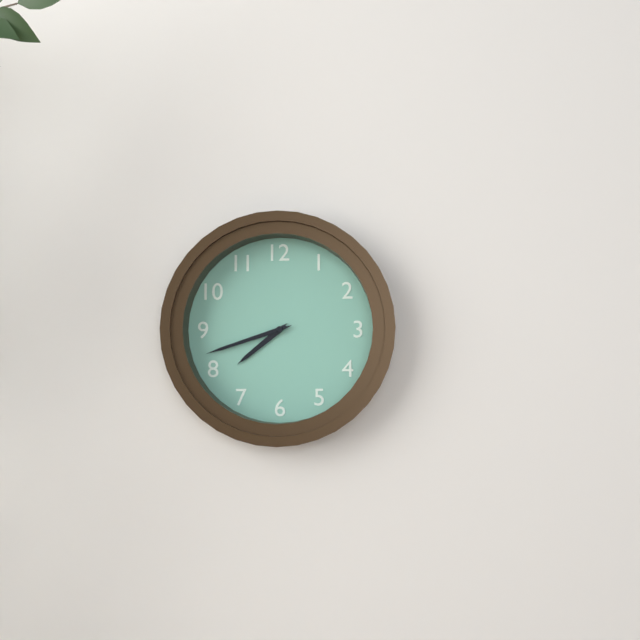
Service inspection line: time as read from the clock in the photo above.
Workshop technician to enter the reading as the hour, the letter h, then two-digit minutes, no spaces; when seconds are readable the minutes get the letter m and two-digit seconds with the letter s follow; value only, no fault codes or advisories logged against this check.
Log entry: 7h42
